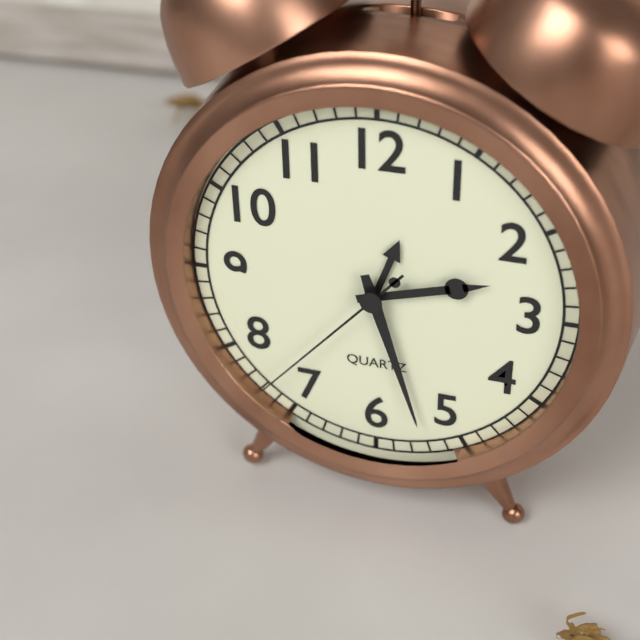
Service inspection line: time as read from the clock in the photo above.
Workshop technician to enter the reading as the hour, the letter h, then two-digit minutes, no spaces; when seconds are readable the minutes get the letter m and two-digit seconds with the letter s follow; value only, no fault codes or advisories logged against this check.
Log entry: 2h27m37s
